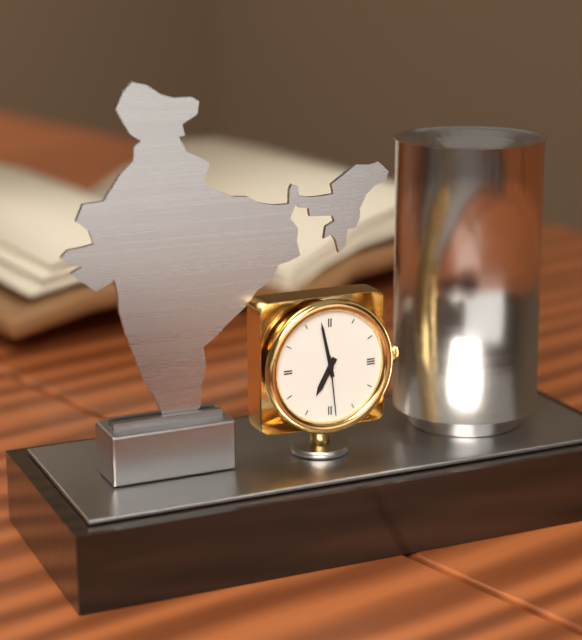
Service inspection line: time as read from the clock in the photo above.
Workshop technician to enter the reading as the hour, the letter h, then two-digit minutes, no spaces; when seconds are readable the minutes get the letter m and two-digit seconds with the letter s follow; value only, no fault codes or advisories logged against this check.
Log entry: 6h58m29s
